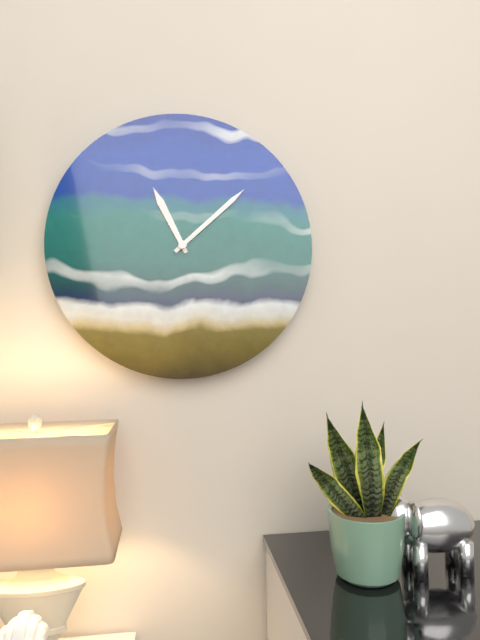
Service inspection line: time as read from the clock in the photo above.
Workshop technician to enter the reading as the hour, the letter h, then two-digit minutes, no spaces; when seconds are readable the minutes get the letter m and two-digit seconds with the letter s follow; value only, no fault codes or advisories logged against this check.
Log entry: 11h08
